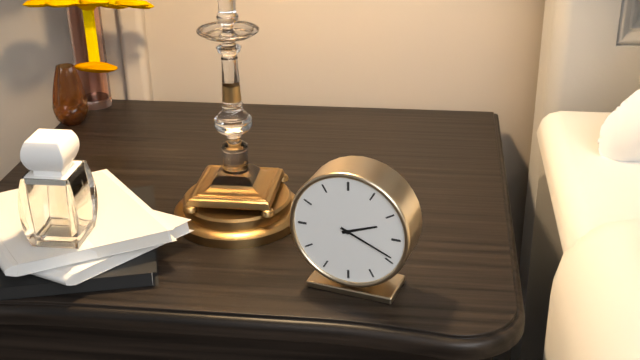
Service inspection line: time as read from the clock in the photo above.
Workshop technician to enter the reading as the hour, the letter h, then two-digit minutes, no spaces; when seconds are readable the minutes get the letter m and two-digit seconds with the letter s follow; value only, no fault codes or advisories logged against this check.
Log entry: 2h19
